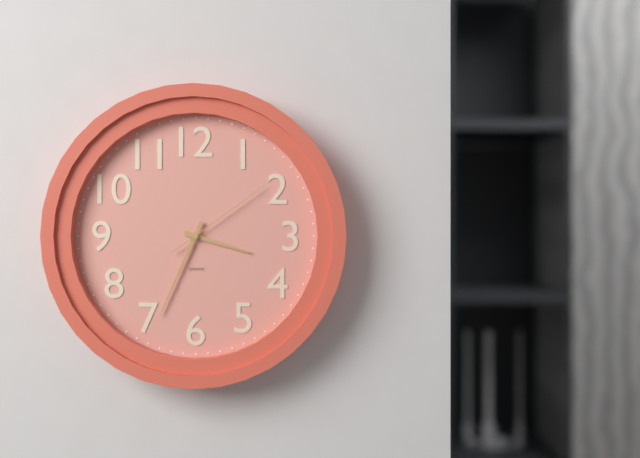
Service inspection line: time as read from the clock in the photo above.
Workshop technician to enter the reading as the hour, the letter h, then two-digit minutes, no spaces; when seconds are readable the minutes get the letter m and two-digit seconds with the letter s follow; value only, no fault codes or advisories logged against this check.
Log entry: 3h34m09s
